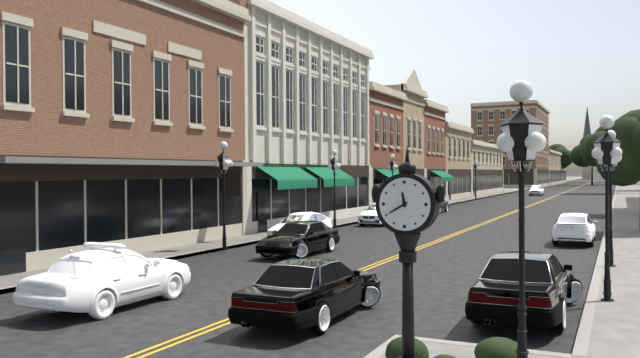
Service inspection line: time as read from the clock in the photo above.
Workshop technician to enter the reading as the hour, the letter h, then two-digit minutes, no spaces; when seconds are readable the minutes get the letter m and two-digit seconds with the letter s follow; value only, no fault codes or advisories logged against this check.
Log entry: 11h40
